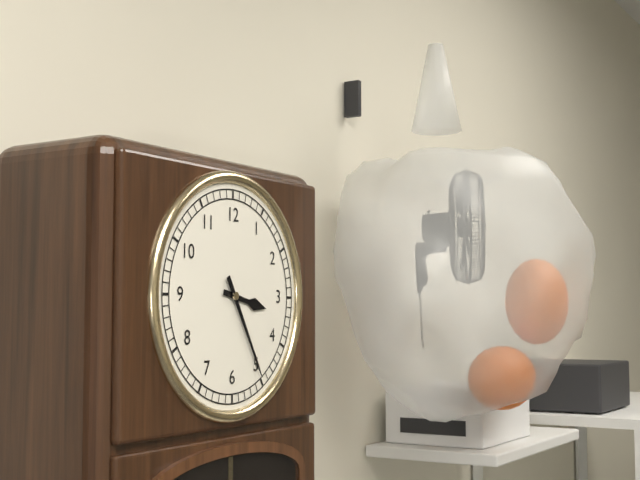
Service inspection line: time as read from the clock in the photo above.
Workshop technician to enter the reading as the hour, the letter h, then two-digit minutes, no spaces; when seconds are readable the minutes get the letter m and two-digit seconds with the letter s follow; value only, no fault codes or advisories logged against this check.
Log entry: 3h25
